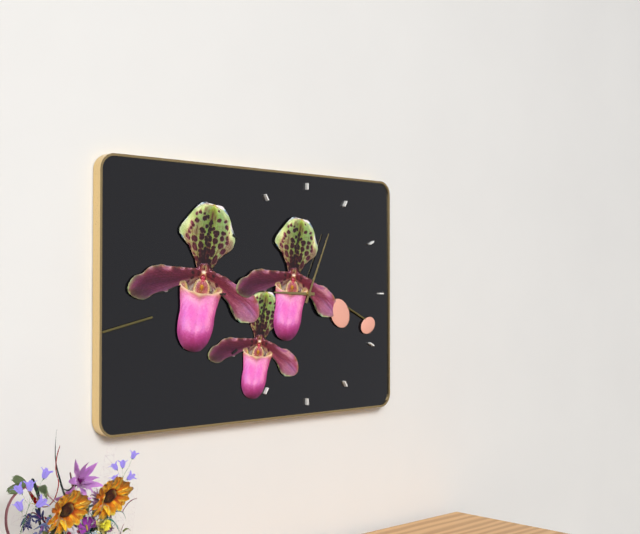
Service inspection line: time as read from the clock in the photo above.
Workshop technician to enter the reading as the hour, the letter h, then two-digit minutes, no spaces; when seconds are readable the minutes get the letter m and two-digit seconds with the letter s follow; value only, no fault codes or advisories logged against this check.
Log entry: 9h04
